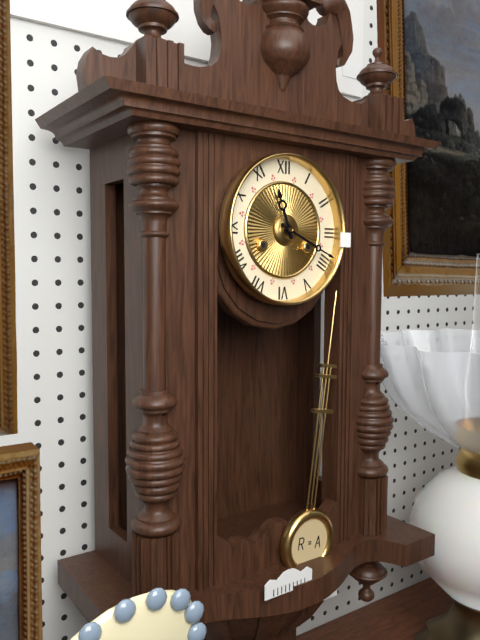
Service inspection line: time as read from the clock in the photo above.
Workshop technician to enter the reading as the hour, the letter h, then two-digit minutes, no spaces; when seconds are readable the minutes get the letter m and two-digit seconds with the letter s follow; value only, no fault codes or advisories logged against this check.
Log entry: 11h19
